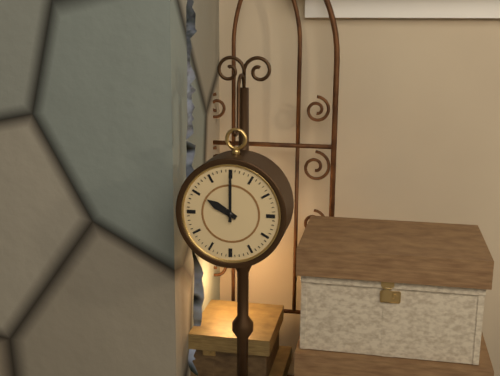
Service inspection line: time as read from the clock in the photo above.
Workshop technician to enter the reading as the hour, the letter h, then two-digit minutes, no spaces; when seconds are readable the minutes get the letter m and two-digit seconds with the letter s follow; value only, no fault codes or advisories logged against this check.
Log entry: 10h00
